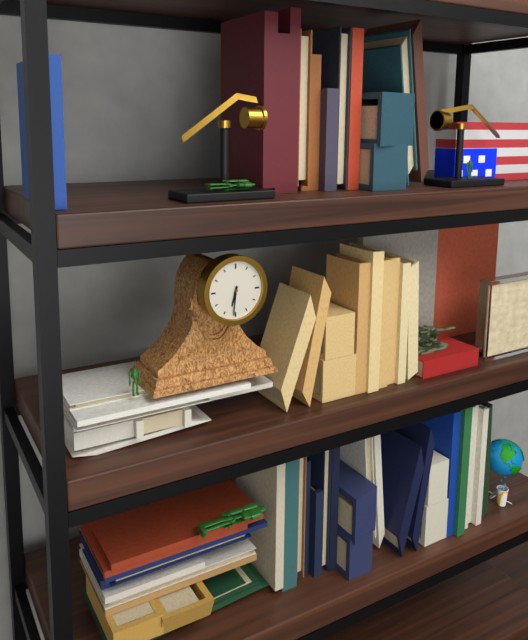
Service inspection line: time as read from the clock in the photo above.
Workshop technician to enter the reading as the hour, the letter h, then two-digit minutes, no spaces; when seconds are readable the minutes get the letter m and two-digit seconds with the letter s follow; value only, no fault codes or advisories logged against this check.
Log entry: 6h31
